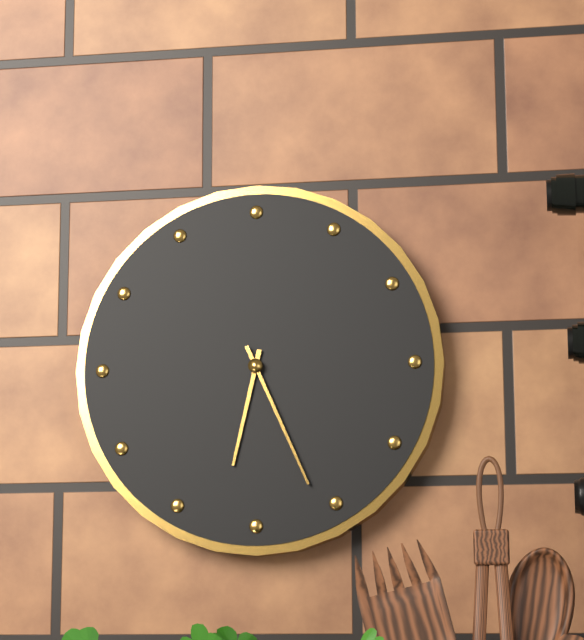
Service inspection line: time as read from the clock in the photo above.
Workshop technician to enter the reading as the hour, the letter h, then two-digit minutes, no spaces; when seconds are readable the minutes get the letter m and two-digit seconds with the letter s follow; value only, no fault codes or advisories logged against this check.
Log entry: 6h26
